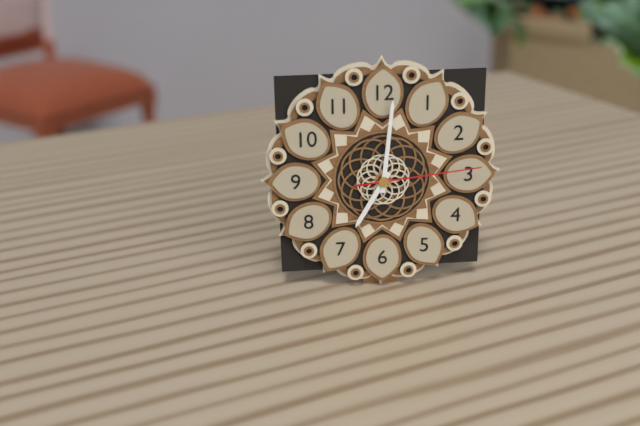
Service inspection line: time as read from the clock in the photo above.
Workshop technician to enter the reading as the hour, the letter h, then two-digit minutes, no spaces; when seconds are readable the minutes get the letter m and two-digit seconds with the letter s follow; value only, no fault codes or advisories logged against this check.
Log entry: 7h01m14s
